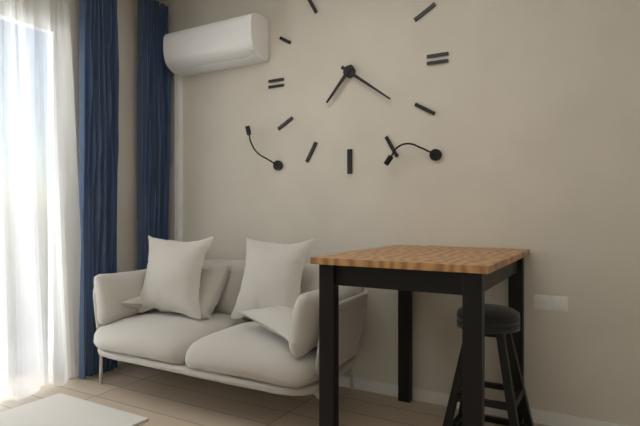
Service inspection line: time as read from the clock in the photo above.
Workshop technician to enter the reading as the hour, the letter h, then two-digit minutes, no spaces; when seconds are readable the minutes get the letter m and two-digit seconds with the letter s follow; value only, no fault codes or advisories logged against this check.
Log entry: 7h21
